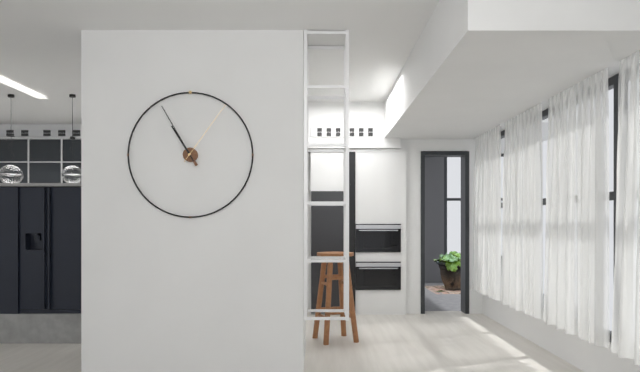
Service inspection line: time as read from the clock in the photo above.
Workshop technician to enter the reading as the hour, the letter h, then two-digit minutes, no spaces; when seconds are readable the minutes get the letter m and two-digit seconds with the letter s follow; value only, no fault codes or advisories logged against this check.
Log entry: 10h55m06s
